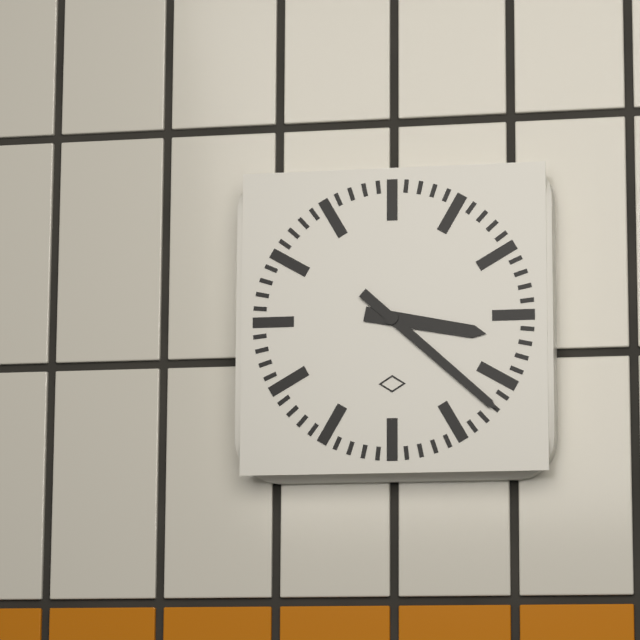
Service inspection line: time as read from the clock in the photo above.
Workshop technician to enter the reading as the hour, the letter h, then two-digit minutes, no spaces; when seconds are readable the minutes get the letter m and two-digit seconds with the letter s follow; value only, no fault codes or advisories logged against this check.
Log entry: 3h22
